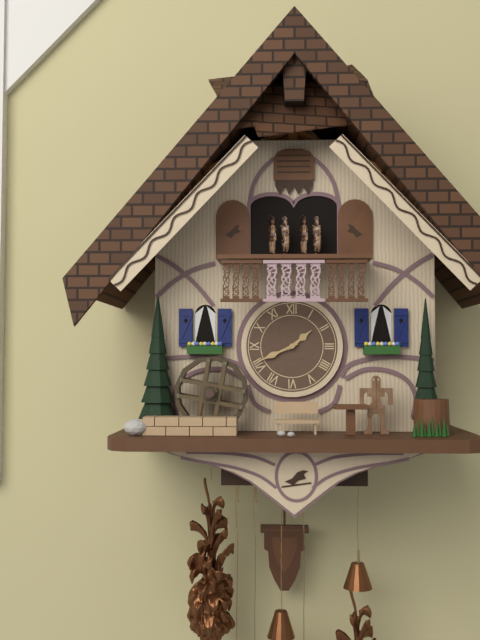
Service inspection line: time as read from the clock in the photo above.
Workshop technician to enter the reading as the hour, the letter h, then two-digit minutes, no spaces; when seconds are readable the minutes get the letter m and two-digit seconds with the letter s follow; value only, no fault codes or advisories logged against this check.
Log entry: 1h41
